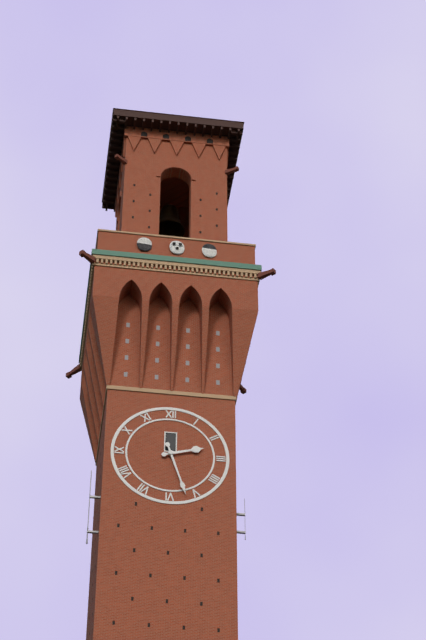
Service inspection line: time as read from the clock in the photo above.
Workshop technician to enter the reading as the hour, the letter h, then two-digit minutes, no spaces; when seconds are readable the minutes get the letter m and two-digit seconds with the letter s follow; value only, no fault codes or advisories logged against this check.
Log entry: 2h27
